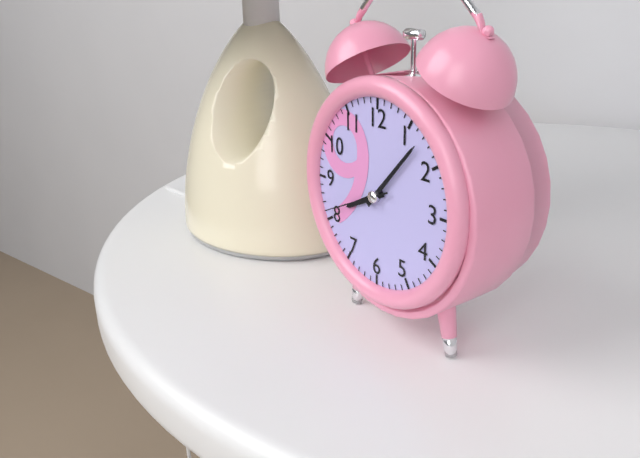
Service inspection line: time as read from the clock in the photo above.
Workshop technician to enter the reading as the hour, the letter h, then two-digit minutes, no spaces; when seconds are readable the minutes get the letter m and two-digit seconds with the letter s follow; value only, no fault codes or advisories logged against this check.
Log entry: 8h07m41s
